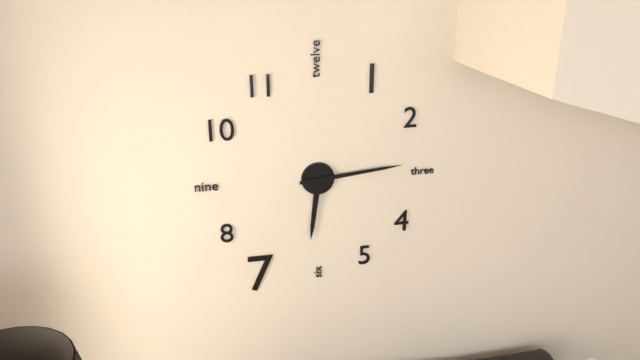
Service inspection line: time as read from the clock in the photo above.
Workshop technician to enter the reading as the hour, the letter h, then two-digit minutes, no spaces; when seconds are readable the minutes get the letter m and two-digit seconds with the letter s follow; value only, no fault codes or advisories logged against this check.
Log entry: 6h14
